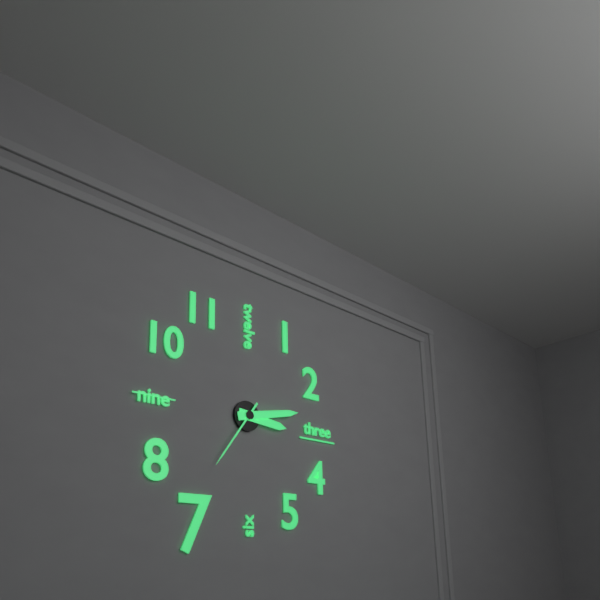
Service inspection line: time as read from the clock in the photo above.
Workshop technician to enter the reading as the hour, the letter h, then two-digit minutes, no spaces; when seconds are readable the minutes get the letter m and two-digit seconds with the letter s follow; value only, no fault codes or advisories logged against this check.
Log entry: 3h13m36s
